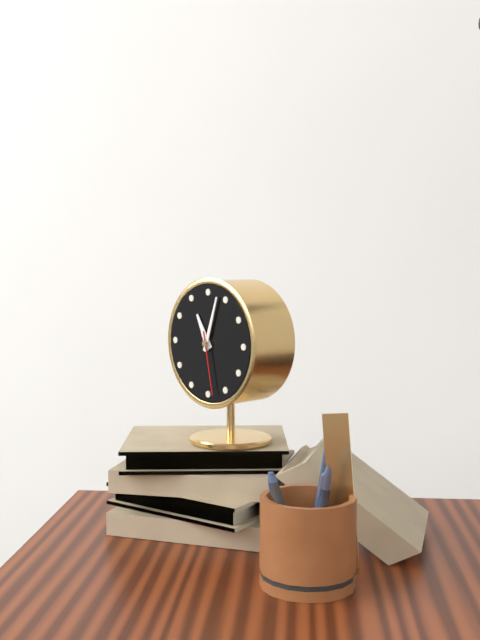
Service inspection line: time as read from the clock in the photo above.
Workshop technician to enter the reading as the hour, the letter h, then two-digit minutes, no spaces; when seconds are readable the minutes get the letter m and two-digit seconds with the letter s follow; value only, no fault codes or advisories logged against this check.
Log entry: 11h03m28s
